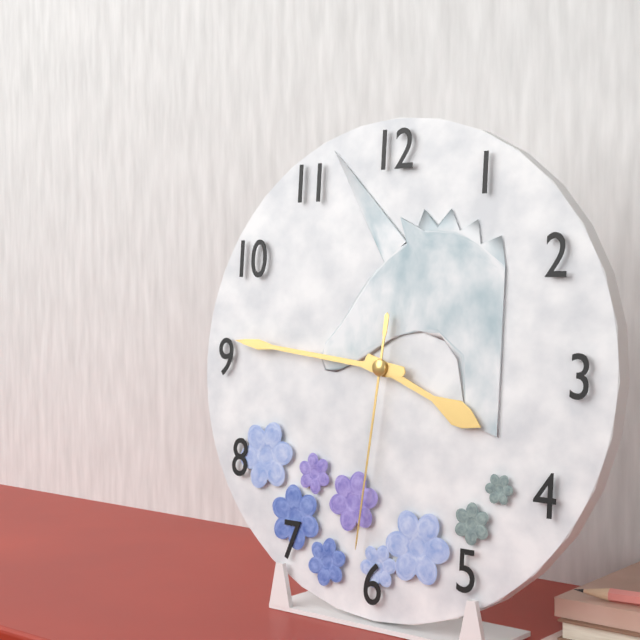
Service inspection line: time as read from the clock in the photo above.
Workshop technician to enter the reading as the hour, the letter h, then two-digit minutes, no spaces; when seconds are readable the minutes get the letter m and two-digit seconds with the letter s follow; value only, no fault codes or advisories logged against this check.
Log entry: 3h46m31s
